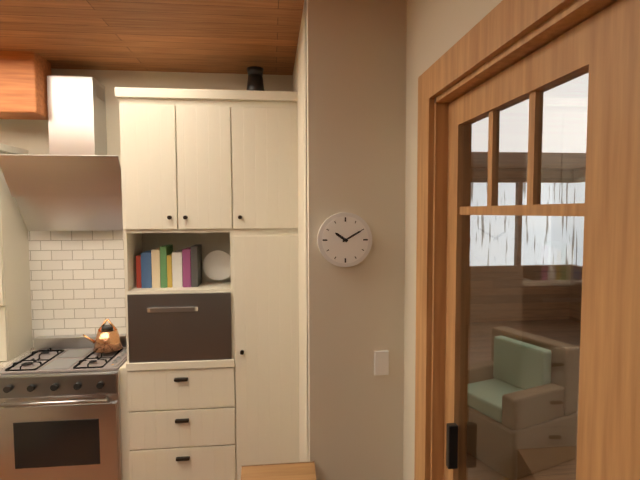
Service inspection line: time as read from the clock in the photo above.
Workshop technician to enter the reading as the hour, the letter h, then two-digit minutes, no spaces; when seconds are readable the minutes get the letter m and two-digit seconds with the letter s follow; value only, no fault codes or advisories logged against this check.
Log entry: 10h10
